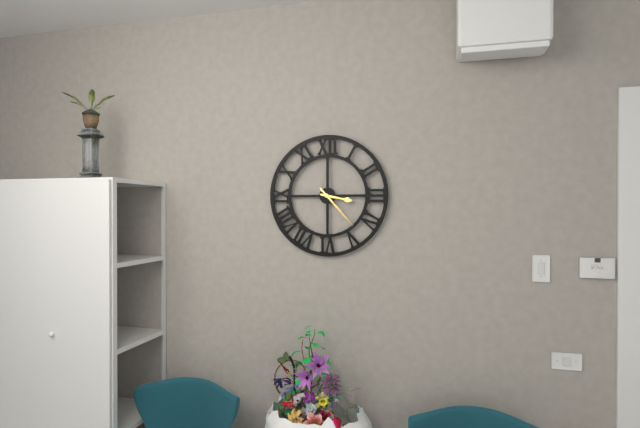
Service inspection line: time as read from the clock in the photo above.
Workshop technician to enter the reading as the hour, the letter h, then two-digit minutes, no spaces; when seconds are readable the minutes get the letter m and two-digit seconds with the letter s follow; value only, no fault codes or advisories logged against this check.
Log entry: 3h23
